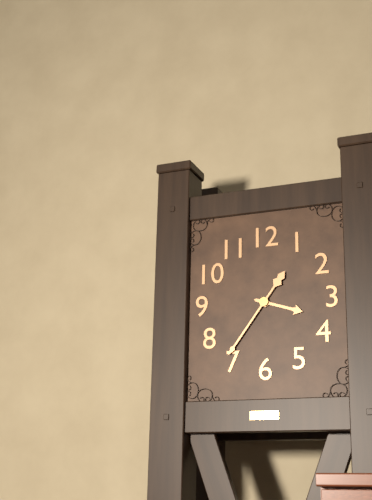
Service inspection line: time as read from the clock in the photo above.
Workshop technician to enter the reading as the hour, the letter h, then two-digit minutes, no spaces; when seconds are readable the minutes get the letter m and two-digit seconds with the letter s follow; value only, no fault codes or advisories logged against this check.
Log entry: 3h36
